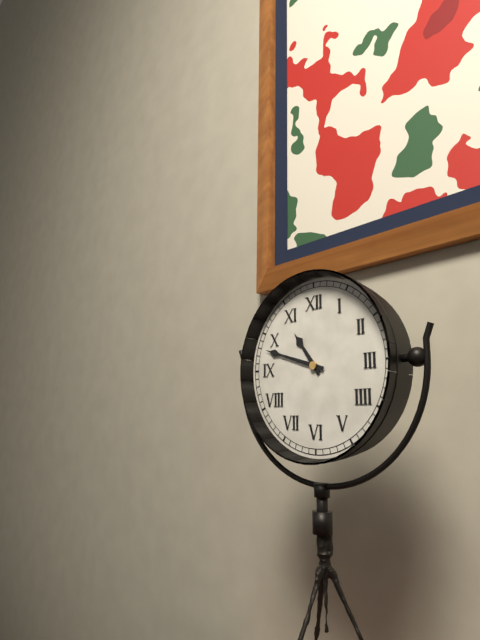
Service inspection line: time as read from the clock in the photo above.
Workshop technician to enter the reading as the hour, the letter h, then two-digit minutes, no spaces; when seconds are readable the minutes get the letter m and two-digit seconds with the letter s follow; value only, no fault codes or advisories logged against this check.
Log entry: 10h48
